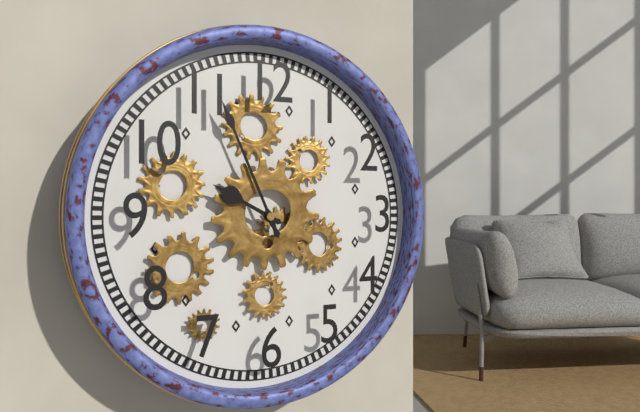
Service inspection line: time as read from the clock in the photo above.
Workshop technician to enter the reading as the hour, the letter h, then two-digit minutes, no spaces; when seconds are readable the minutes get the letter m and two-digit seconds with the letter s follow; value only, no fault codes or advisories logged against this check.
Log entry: 9h56
